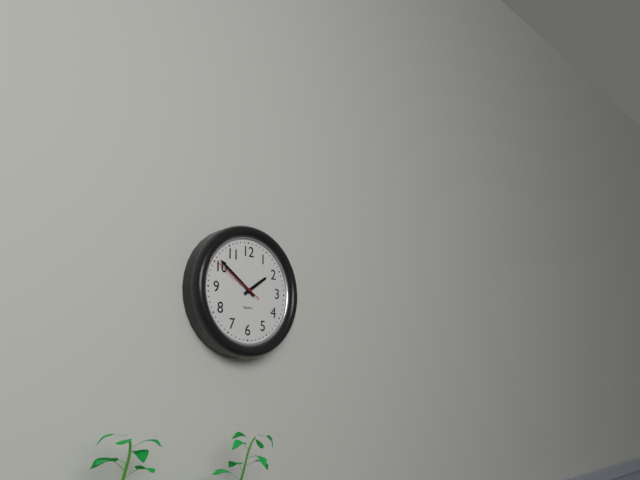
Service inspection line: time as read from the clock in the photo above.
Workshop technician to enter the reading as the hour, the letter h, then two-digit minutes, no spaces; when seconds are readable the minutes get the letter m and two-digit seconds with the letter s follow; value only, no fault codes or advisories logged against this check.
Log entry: 1h51m50s
